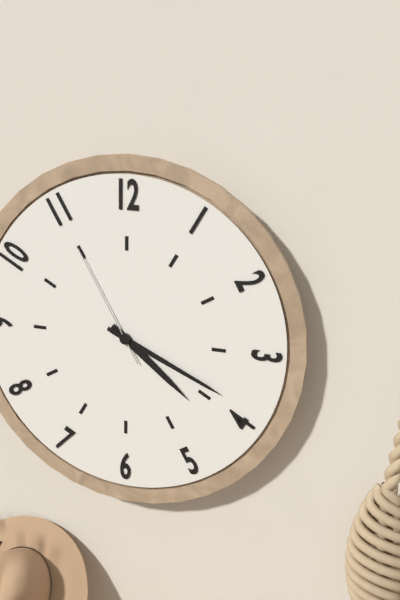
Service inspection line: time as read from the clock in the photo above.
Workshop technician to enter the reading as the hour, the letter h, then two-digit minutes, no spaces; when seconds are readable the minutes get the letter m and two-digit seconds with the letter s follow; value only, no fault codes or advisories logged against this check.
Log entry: 4h19m55s
